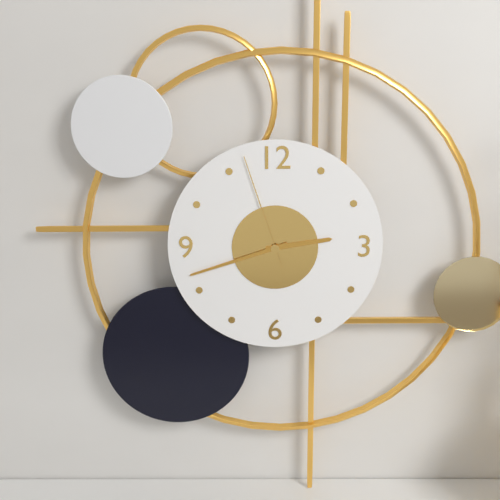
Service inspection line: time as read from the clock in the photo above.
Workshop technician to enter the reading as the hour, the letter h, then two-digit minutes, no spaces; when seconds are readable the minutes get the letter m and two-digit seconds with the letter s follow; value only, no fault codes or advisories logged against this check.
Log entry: 2h42m57s
